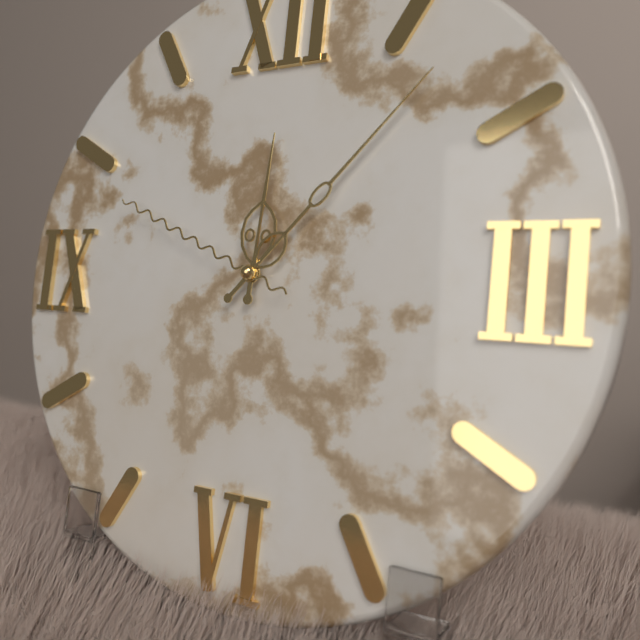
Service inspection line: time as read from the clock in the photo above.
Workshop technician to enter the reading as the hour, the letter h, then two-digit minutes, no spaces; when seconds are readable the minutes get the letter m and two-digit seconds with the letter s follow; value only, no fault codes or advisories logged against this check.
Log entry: 12h07m49s
